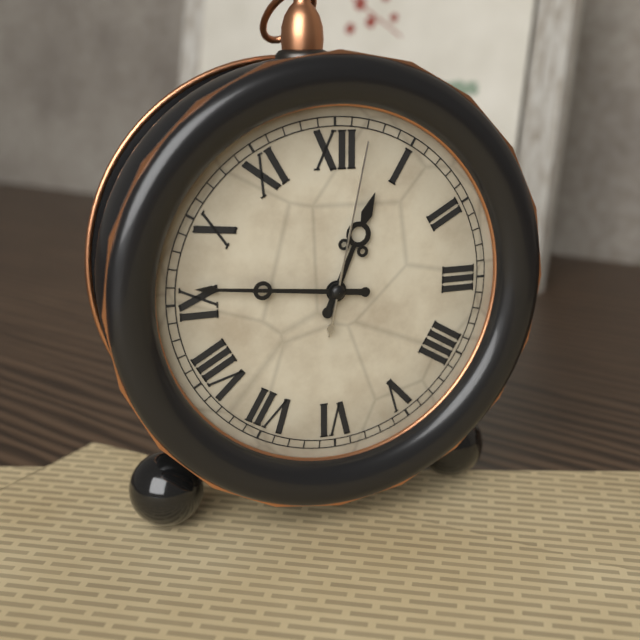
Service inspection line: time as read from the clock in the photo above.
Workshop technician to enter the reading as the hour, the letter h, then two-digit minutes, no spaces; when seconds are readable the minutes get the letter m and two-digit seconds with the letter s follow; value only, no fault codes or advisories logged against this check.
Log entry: 12h46m02s
